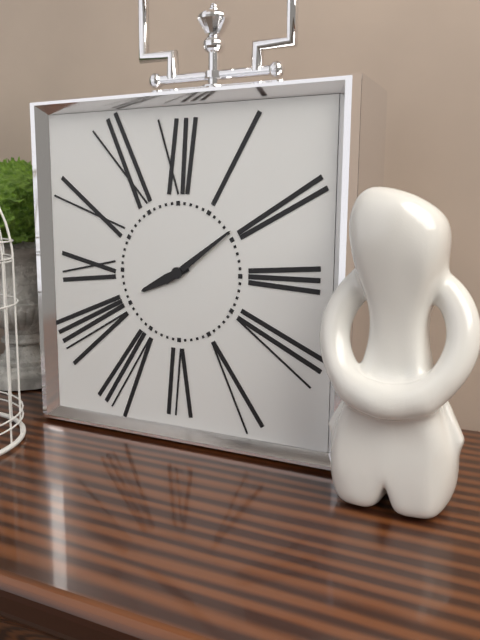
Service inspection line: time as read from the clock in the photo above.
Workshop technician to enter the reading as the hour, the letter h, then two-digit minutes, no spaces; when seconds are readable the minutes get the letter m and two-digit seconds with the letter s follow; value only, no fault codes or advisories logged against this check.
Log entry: 8h09
